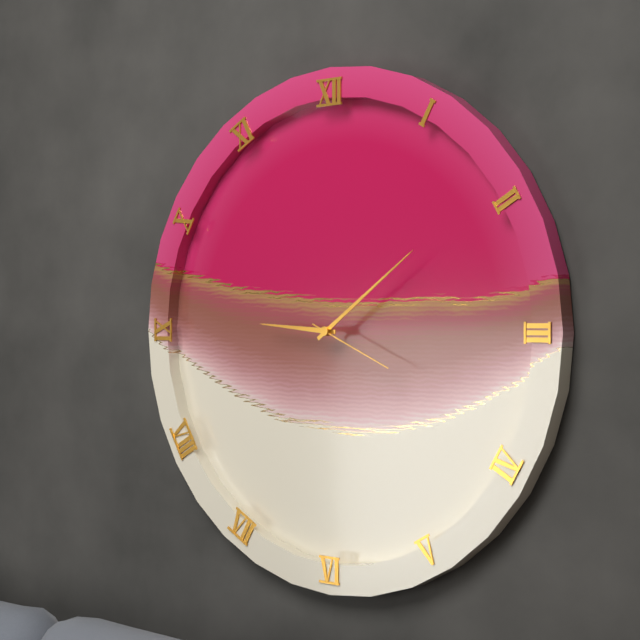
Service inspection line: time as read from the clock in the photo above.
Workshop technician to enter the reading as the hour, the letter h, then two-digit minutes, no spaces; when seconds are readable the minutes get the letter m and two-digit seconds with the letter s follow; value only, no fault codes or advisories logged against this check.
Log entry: 9h09m19s
